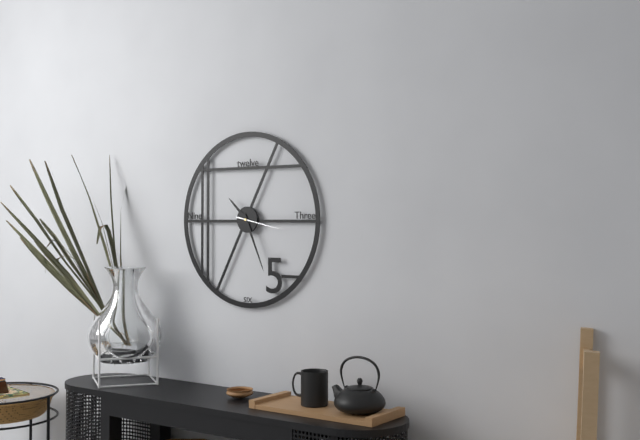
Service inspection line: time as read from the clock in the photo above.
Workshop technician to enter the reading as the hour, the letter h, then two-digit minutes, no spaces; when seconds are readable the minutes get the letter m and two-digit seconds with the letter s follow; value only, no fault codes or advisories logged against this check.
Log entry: 10h26
